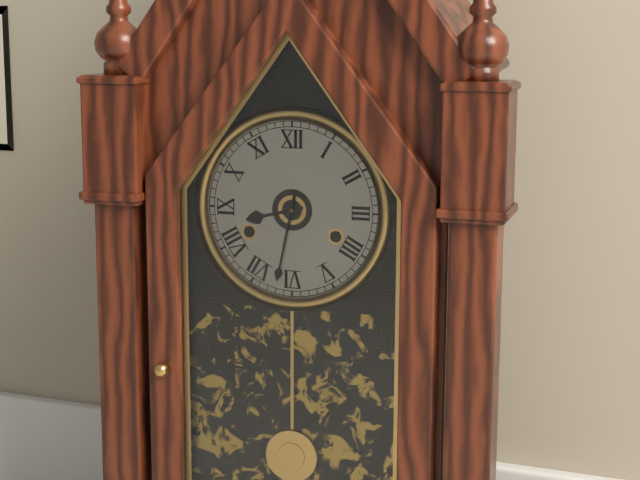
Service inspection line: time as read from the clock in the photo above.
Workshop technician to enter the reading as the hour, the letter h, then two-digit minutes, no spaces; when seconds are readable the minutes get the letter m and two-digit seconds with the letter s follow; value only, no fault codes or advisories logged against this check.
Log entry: 8h32
